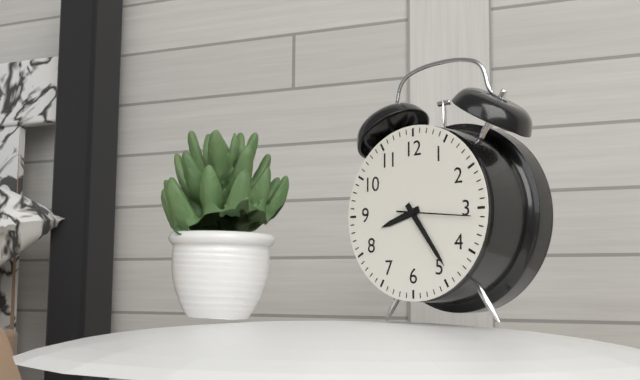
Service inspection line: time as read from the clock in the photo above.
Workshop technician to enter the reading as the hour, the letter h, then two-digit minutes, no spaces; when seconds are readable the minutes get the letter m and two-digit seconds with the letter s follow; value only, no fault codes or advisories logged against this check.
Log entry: 8h24m16s
